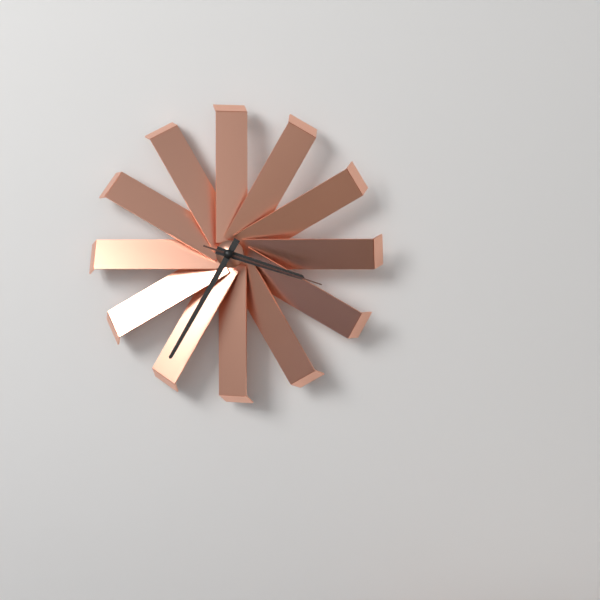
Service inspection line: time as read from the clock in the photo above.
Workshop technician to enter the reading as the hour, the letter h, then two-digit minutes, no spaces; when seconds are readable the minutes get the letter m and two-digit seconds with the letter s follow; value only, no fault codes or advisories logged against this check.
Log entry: 3h35m18s
